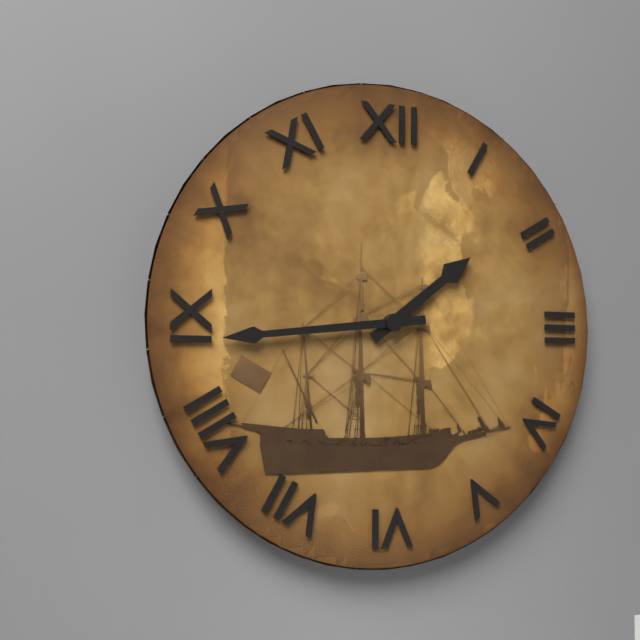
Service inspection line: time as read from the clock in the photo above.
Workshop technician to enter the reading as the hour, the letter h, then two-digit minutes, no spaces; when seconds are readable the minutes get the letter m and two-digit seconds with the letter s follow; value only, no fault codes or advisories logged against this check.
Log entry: 1h44
